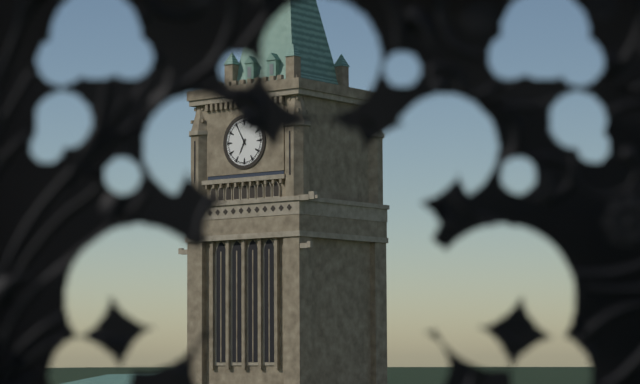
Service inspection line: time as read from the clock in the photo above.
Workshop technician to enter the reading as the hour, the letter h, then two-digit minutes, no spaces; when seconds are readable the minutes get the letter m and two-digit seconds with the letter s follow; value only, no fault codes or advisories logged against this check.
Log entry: 6h55
